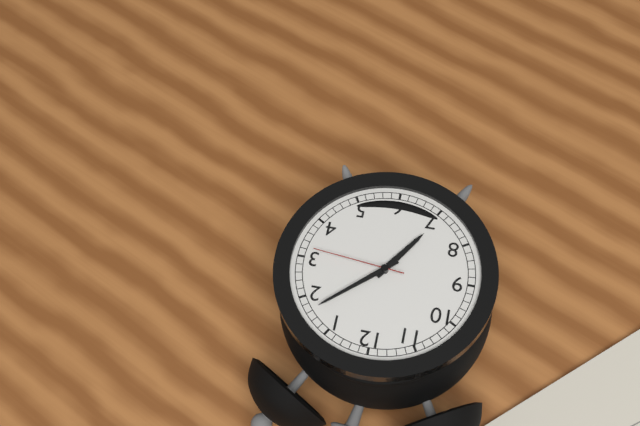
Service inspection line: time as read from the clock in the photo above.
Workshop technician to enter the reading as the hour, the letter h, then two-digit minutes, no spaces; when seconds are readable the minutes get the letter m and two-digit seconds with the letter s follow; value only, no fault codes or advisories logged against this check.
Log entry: 7h08m16s
